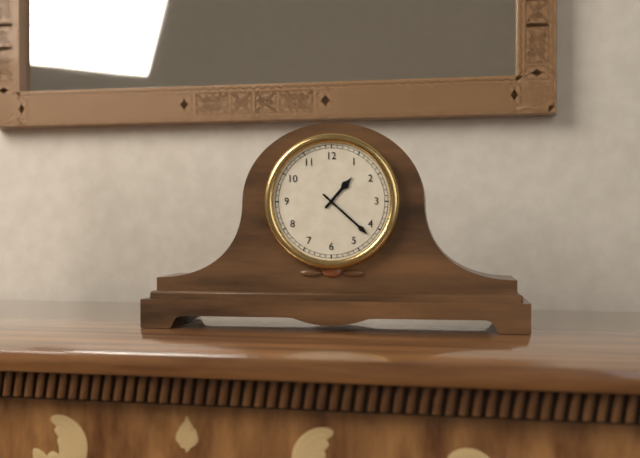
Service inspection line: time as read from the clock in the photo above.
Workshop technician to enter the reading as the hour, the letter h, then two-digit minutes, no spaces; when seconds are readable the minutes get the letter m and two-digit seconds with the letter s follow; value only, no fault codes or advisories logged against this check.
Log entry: 1h22
